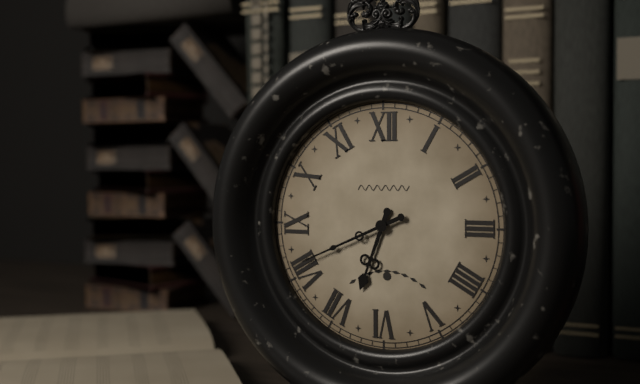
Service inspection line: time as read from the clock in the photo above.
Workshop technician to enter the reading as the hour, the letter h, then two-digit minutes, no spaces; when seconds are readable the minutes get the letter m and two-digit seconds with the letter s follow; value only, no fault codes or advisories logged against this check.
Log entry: 6h41
